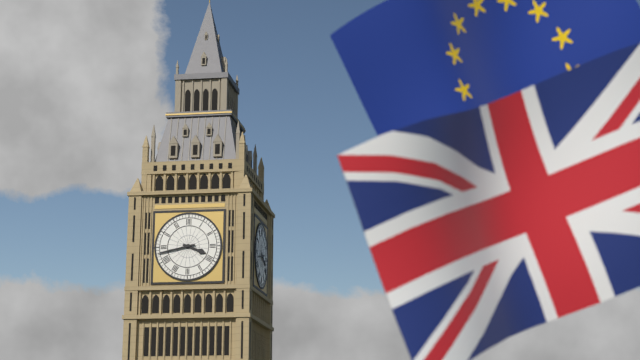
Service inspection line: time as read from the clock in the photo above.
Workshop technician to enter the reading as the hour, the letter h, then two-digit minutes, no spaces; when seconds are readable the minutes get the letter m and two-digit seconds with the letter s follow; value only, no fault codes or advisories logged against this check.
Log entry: 3h43
